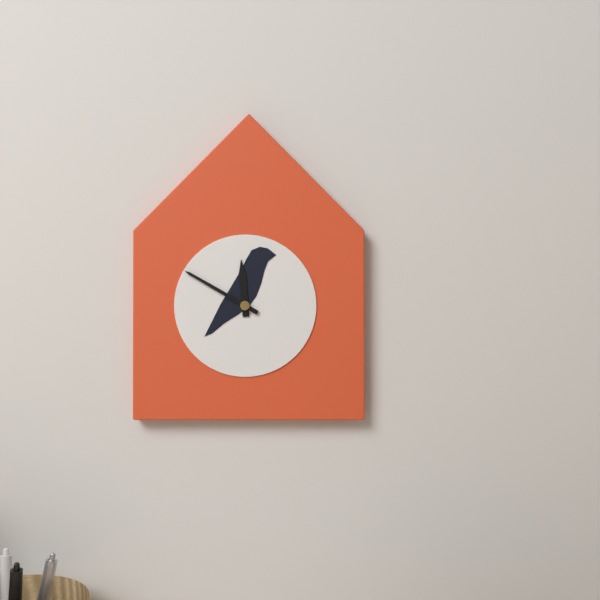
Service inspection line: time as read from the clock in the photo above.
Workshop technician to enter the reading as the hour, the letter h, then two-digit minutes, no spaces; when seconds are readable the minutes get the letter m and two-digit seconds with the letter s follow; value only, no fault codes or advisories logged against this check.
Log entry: 11h50
